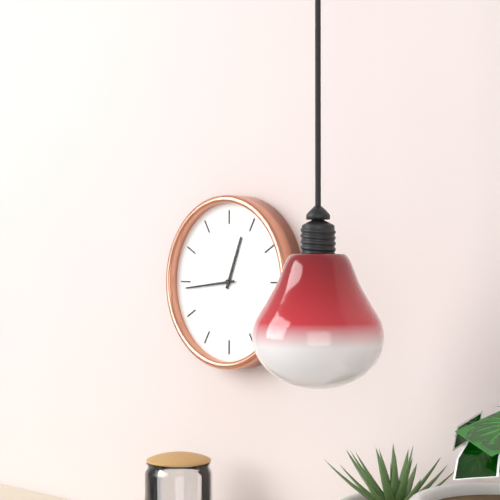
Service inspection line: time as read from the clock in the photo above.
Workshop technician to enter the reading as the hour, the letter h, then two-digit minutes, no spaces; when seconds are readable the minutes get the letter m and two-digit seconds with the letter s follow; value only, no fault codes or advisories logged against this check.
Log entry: 12h44
